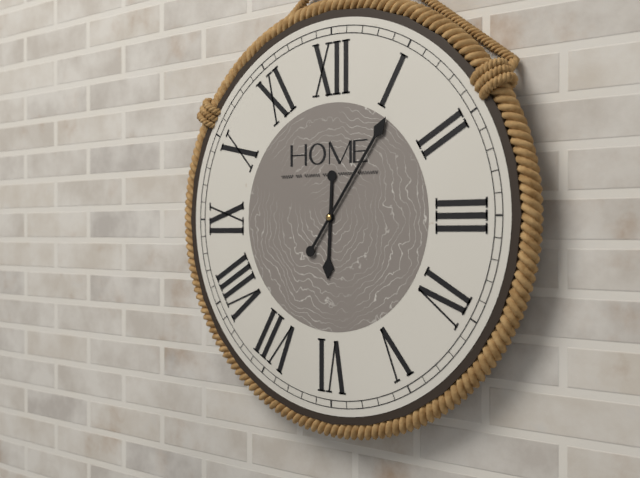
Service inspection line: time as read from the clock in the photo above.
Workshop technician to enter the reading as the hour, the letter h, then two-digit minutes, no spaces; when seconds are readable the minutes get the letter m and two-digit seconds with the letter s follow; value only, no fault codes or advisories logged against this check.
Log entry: 6h06
